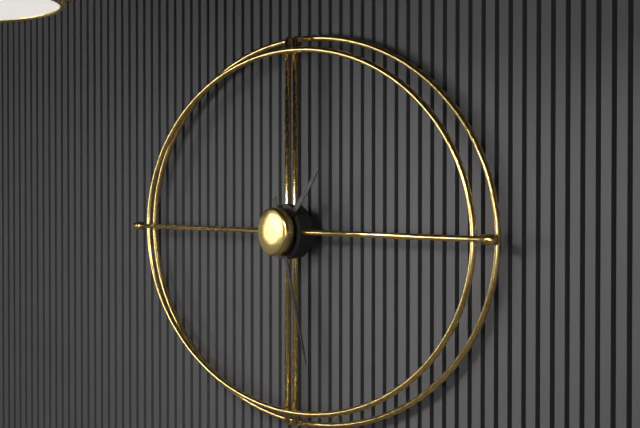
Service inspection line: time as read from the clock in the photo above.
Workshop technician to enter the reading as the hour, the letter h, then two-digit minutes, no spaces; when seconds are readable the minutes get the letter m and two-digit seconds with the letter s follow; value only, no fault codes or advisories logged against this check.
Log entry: 1h27
